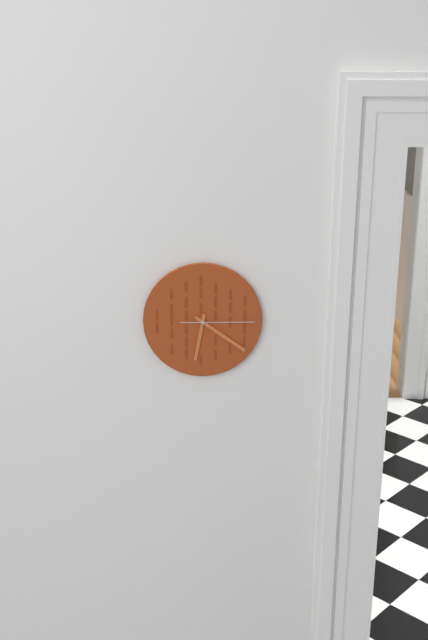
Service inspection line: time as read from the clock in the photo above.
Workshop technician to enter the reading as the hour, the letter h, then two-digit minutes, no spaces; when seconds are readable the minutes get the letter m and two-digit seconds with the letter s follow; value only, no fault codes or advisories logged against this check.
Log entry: 6h21m15s
